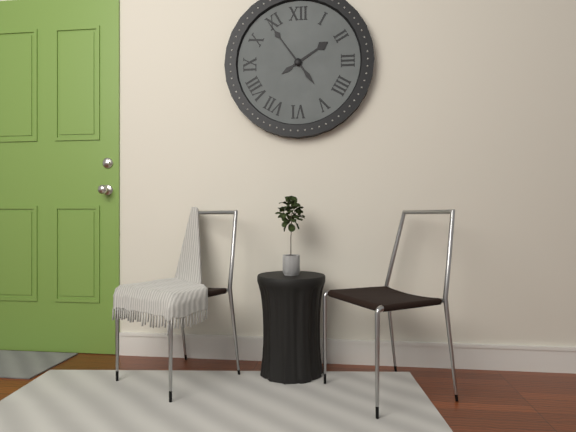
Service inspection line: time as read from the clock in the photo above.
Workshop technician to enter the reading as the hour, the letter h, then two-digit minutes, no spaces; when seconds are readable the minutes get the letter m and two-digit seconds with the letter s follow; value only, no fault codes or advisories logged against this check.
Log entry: 1h54
